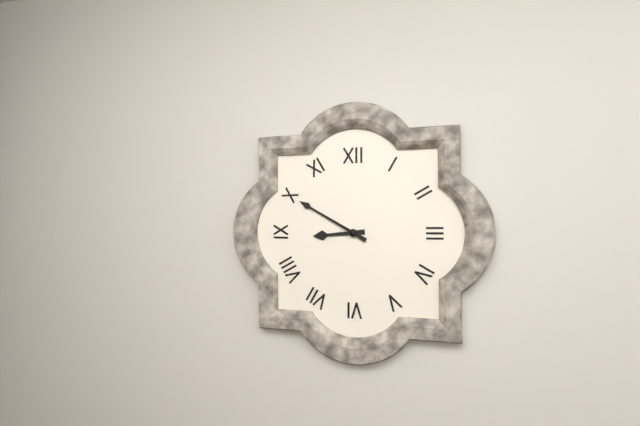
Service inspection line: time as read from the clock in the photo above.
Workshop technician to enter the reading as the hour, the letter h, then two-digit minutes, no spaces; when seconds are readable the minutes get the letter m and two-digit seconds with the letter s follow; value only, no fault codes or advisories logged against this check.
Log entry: 8h50
